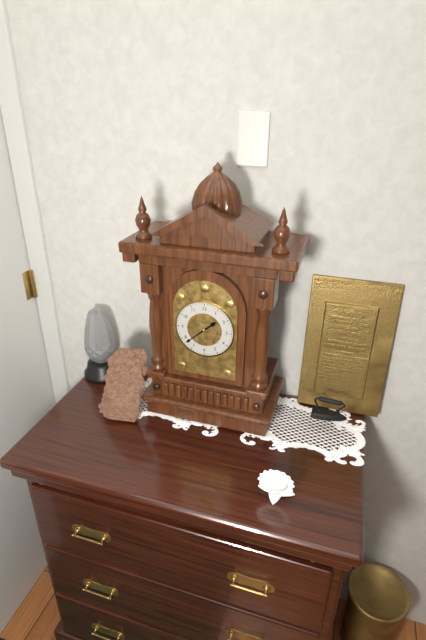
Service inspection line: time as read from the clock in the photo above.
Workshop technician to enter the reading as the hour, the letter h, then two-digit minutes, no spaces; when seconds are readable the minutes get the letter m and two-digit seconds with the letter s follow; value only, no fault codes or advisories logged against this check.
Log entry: 1h38
